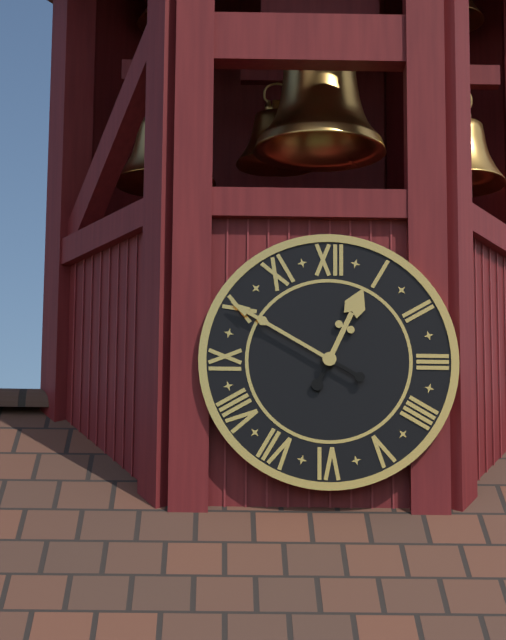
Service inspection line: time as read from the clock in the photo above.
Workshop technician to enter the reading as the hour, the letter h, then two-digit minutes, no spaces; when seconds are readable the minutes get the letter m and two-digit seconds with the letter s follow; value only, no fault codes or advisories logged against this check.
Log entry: 12h50
